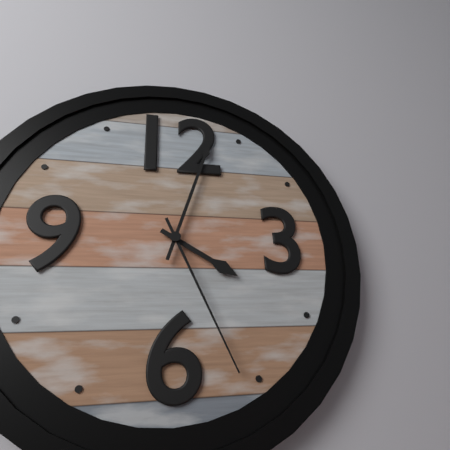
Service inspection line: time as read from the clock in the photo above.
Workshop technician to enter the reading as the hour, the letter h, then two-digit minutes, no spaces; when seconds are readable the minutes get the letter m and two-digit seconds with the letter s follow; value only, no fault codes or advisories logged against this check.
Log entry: 4h03m26s
